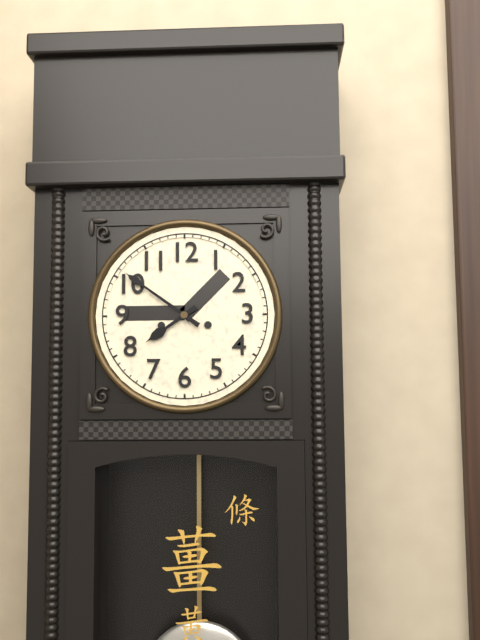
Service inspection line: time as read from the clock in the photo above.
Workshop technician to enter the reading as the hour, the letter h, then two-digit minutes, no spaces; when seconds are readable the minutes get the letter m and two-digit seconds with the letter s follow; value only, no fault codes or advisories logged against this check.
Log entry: 7h51
